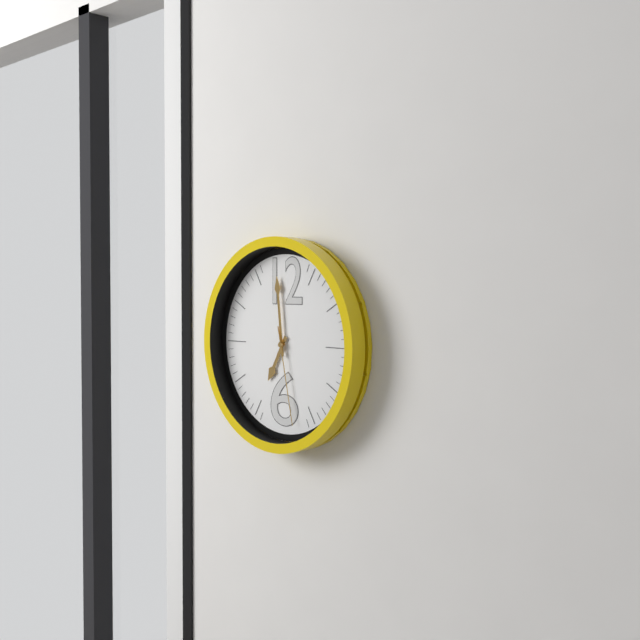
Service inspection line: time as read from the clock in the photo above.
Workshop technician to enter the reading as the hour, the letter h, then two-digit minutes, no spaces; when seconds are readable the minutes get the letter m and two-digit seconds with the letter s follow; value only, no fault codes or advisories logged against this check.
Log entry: 6h59m28s
